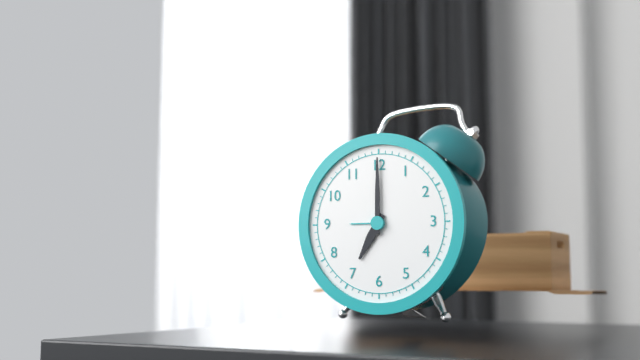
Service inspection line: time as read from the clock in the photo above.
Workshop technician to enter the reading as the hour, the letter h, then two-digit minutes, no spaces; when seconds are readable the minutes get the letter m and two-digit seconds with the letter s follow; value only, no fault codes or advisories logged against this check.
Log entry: 7h00
